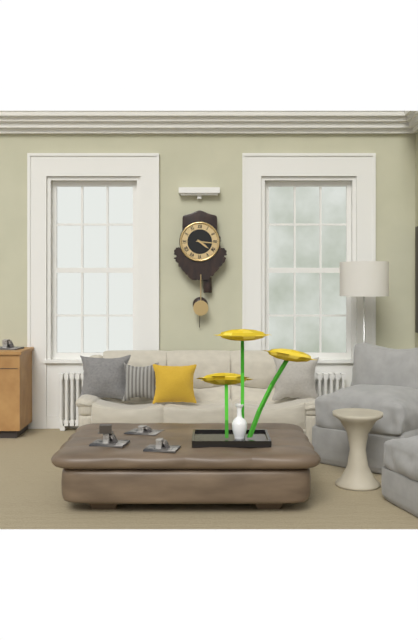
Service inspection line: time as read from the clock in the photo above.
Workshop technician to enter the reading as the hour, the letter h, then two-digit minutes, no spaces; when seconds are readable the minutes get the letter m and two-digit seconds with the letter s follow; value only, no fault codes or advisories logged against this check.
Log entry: 4h16
